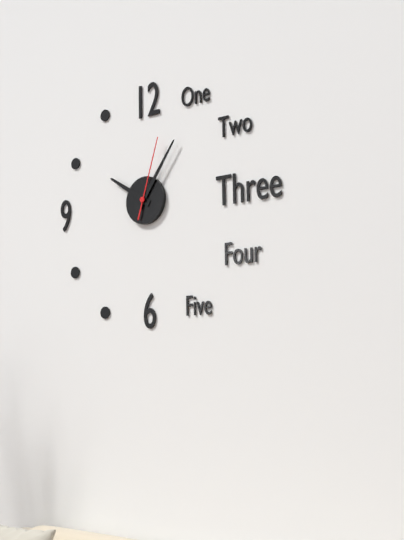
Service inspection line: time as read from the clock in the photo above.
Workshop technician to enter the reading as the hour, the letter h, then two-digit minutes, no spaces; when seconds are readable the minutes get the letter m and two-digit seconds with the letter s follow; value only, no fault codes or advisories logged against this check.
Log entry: 10h06m03s
